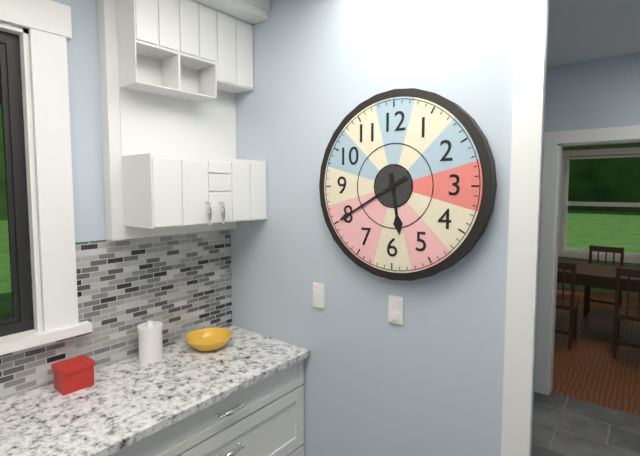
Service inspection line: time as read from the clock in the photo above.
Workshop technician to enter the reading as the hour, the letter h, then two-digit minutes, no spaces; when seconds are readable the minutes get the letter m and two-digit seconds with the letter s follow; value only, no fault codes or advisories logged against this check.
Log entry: 5h40
